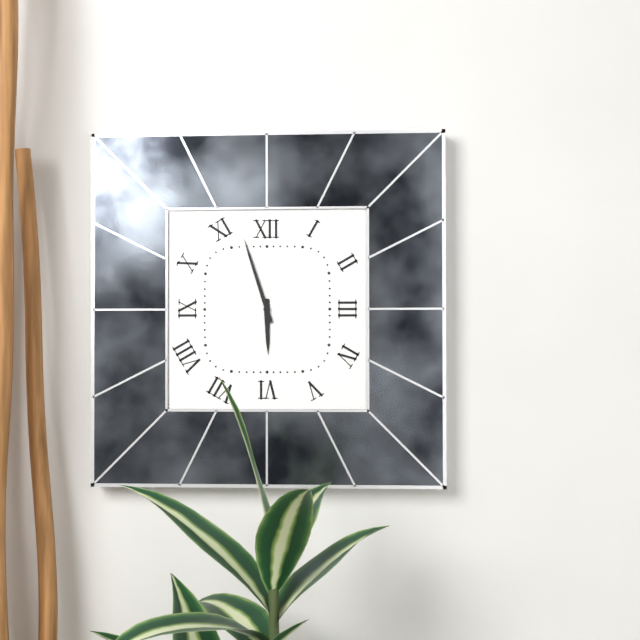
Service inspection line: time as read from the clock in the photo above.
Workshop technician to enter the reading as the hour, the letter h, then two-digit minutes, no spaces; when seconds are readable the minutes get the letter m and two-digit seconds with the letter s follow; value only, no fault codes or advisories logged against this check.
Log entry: 5h57
